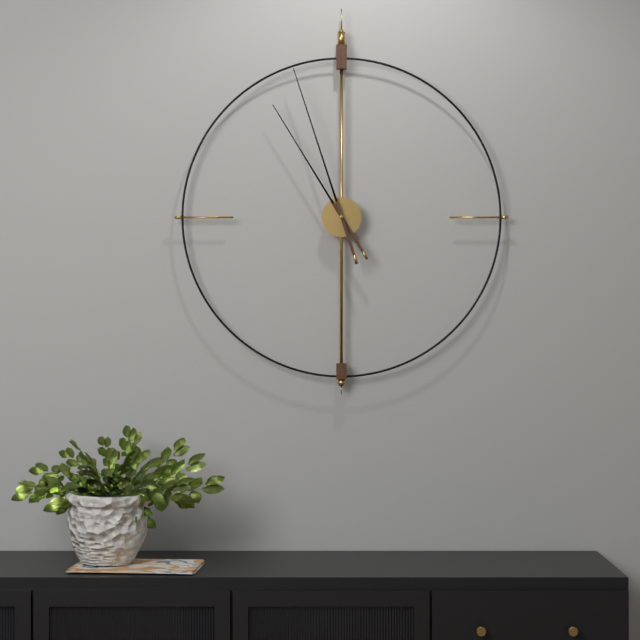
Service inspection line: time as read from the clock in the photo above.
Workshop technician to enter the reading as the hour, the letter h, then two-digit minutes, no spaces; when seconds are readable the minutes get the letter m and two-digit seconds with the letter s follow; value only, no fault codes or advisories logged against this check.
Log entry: 10h57
